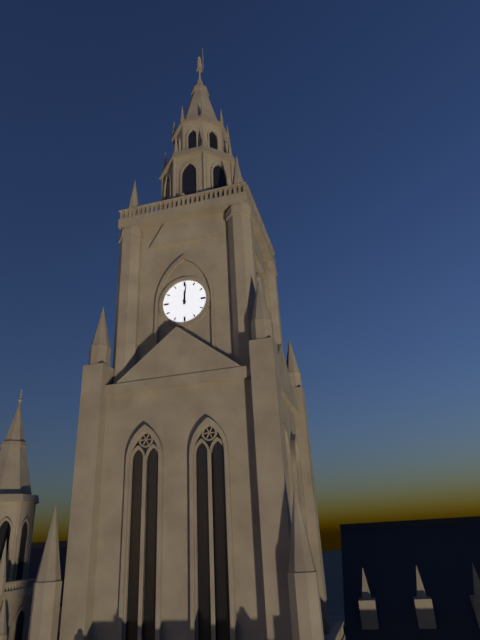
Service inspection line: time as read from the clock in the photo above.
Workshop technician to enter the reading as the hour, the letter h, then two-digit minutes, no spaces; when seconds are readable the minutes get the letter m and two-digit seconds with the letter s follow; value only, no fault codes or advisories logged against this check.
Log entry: 12h01
